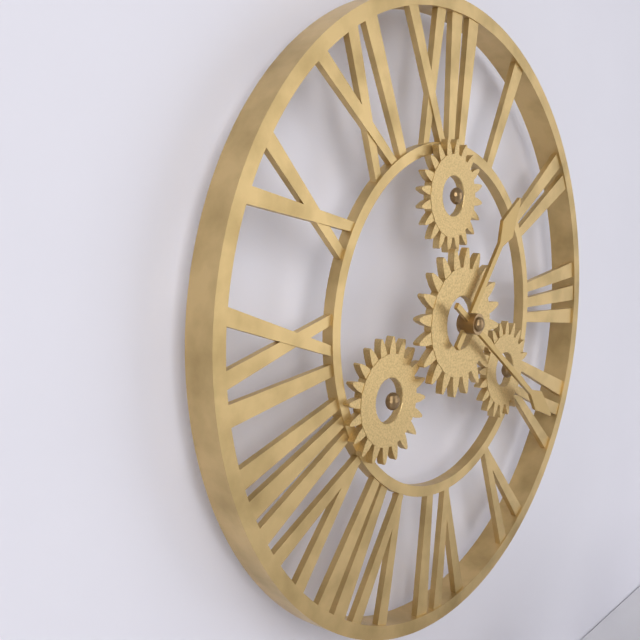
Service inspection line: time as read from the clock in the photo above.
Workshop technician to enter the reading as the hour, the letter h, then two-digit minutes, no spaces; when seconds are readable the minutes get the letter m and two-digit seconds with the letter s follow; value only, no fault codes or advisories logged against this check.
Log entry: 1h21
